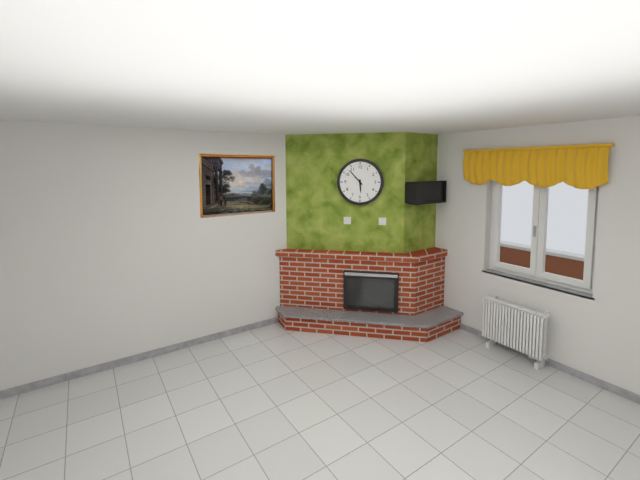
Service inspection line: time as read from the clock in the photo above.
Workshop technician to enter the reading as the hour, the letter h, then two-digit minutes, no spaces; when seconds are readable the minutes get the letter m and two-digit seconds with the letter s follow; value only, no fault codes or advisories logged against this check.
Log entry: 5h53
